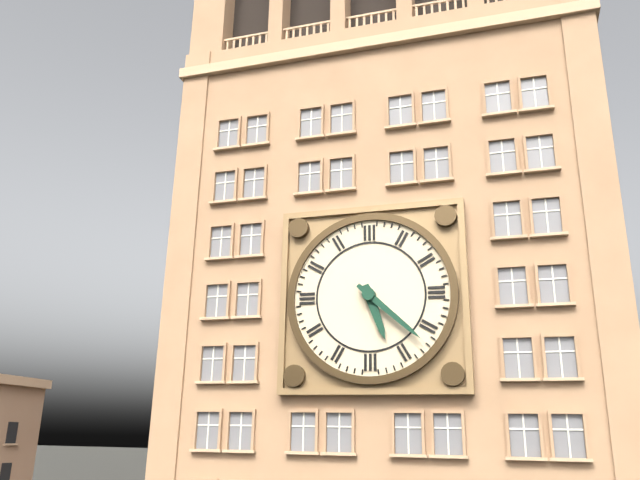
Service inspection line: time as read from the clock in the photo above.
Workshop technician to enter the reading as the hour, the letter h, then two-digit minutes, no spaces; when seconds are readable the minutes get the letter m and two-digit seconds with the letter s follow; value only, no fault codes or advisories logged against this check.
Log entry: 5h22
